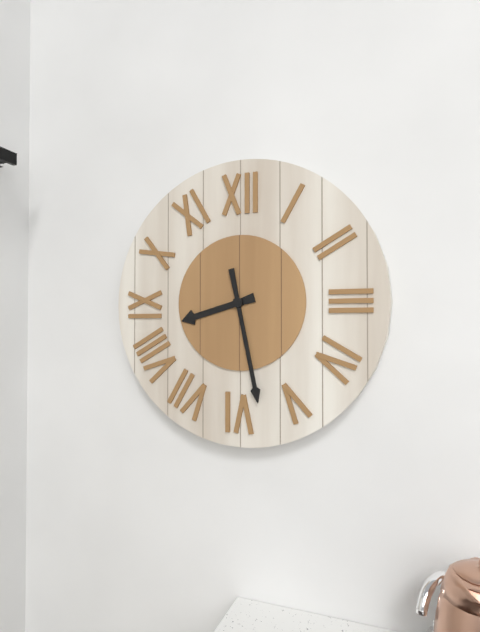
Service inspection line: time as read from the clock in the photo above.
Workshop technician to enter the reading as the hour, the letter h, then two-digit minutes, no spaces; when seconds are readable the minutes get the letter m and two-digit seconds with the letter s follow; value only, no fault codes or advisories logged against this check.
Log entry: 8h28
